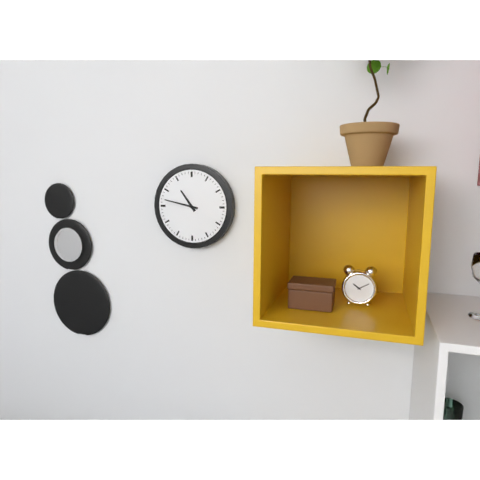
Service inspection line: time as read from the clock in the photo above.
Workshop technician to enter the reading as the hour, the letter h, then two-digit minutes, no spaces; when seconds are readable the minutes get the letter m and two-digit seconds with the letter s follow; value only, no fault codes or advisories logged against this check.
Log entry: 10h47
